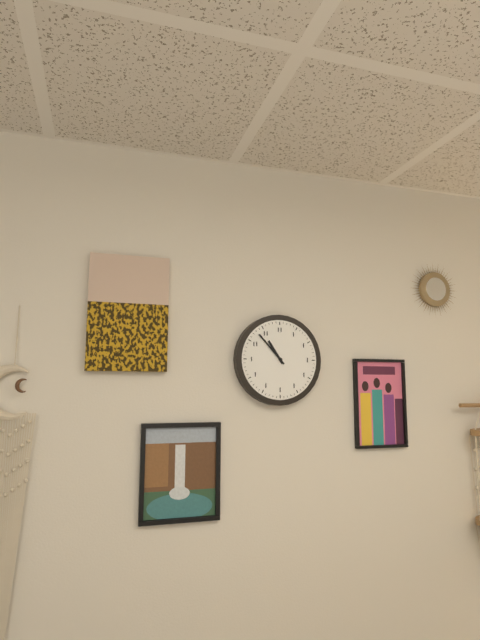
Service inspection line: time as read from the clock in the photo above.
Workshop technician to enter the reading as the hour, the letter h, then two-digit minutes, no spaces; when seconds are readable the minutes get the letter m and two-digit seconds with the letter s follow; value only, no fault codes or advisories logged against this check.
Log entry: 10h53
